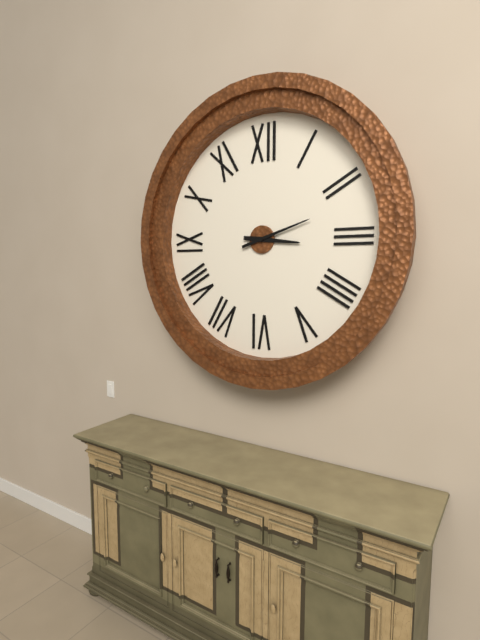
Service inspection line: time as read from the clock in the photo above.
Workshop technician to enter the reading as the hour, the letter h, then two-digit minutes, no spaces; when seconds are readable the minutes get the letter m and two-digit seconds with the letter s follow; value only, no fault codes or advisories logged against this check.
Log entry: 3h12
